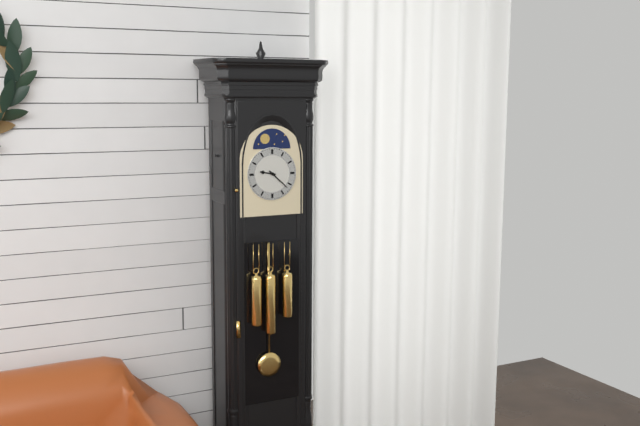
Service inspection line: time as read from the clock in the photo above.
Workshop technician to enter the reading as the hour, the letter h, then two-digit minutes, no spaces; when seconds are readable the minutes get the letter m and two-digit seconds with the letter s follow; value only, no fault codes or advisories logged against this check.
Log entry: 9h22
